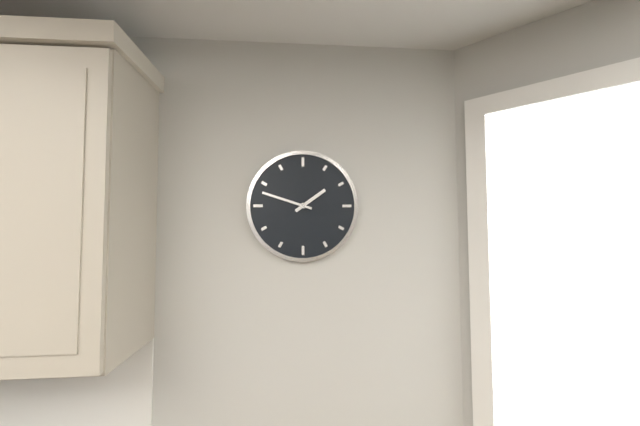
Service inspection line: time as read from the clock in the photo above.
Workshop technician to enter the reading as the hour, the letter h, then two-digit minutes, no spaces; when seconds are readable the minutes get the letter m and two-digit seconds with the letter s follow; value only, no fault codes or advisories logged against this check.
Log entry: 1h48
